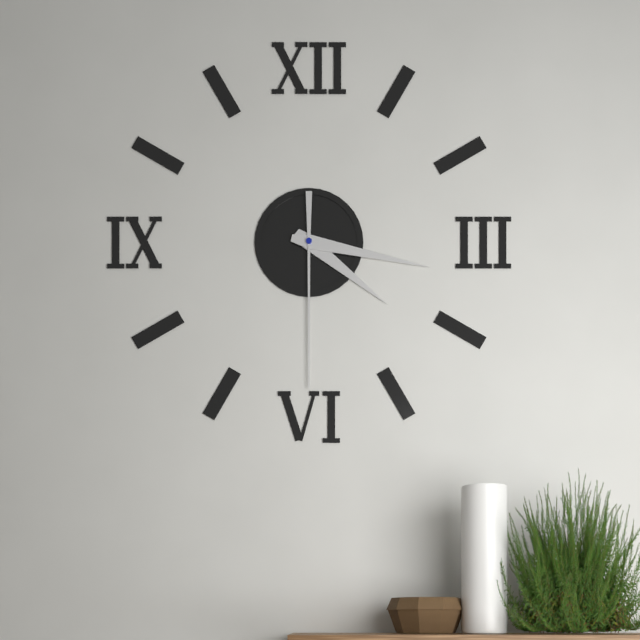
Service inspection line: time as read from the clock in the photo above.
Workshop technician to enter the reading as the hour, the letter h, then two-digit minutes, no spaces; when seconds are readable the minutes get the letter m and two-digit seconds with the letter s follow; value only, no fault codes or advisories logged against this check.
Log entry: 4h17m30s
